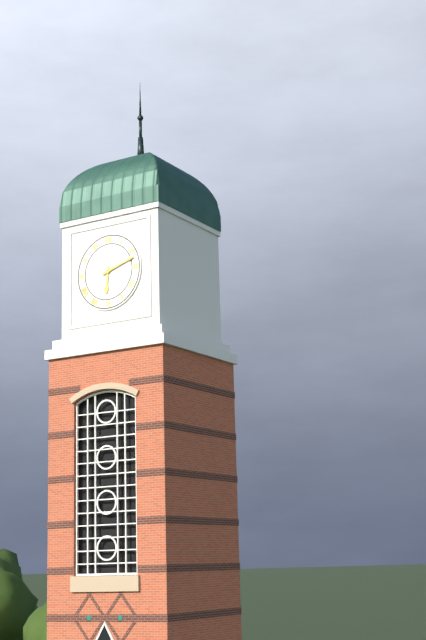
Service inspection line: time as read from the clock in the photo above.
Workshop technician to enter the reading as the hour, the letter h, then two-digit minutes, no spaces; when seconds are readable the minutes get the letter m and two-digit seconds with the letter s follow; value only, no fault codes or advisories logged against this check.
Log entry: 6h12
